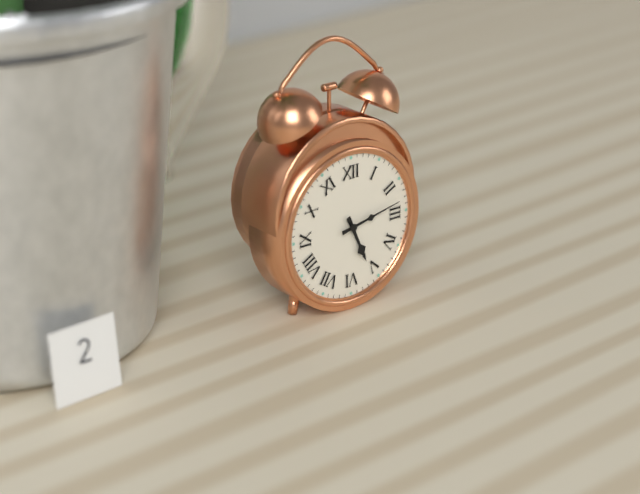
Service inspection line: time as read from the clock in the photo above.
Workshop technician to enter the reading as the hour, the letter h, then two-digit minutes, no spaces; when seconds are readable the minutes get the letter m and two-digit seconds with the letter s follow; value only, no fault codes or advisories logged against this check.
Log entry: 5h13
